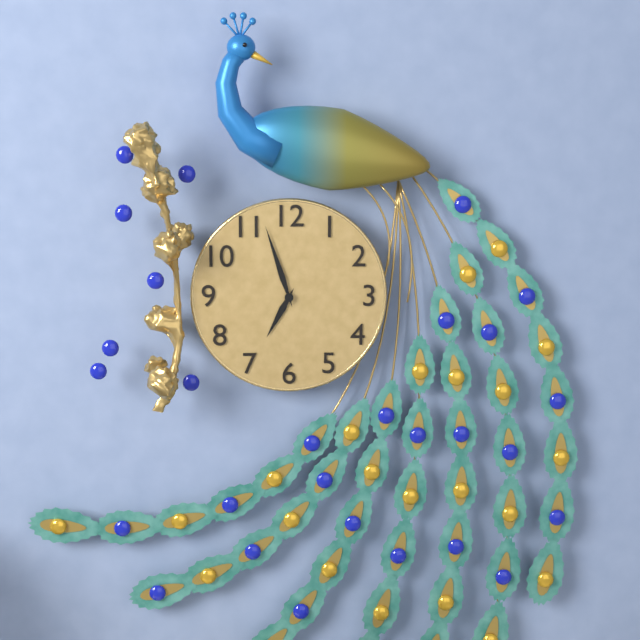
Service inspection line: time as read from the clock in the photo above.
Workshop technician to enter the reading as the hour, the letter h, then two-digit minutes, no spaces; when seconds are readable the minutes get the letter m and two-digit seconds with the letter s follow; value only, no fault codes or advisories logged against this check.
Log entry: 6h57
